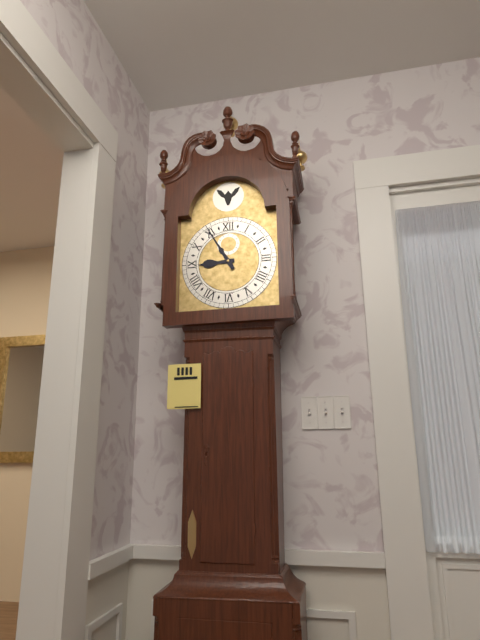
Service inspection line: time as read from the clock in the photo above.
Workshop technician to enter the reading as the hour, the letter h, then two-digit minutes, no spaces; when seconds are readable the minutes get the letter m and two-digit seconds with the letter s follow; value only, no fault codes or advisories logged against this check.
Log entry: 8h55
